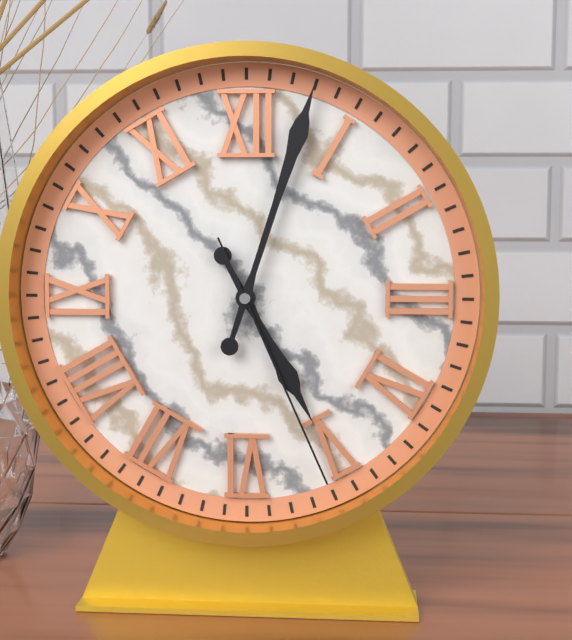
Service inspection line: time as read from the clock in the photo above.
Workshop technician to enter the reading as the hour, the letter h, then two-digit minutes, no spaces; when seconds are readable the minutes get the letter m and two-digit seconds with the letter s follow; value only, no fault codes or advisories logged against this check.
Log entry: 5h03m26s
